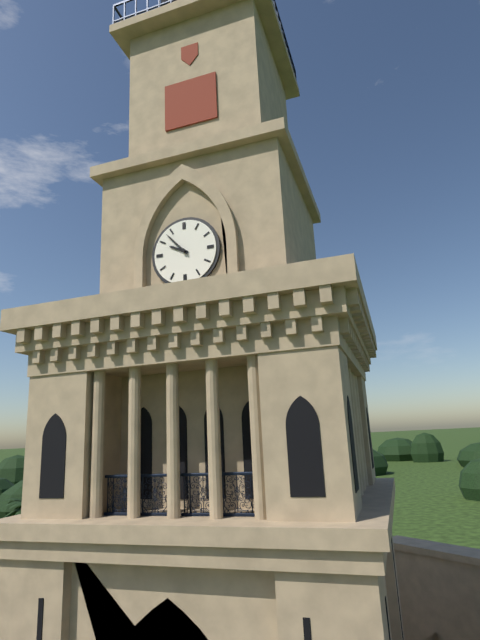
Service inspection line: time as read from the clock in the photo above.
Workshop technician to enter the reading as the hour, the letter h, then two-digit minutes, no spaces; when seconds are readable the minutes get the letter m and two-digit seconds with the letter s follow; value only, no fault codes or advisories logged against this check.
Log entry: 9h53
